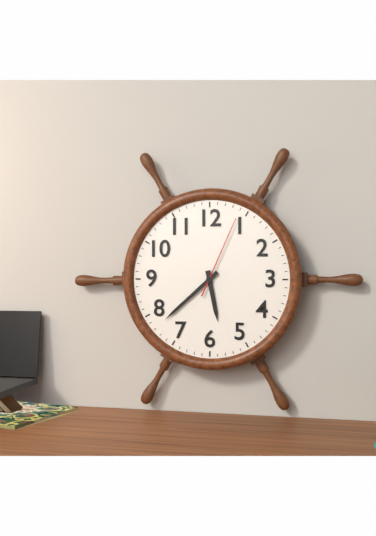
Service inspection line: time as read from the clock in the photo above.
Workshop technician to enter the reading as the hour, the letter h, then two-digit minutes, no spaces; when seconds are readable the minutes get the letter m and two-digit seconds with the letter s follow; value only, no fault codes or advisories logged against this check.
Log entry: 5h38m04s
